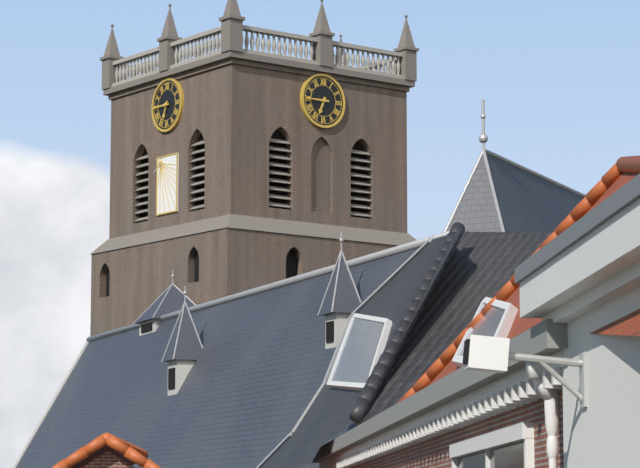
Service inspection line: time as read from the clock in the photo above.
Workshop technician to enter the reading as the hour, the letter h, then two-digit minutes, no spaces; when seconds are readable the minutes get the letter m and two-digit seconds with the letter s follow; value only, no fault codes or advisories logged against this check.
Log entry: 6h45
